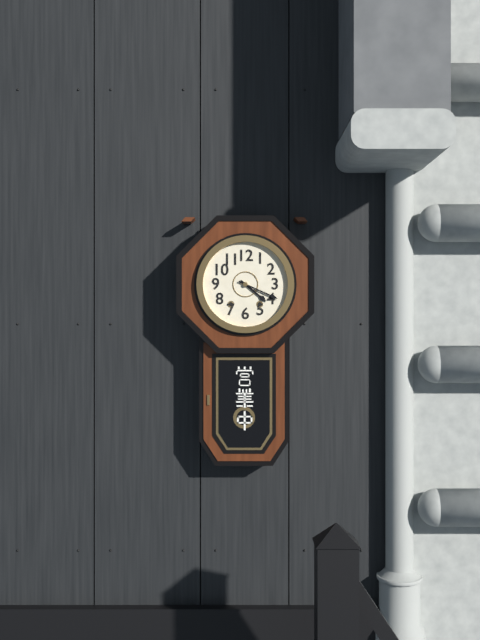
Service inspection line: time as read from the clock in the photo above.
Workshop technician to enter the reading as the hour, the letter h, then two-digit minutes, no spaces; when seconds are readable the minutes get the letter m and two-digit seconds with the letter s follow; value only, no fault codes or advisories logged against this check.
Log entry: 4h19
